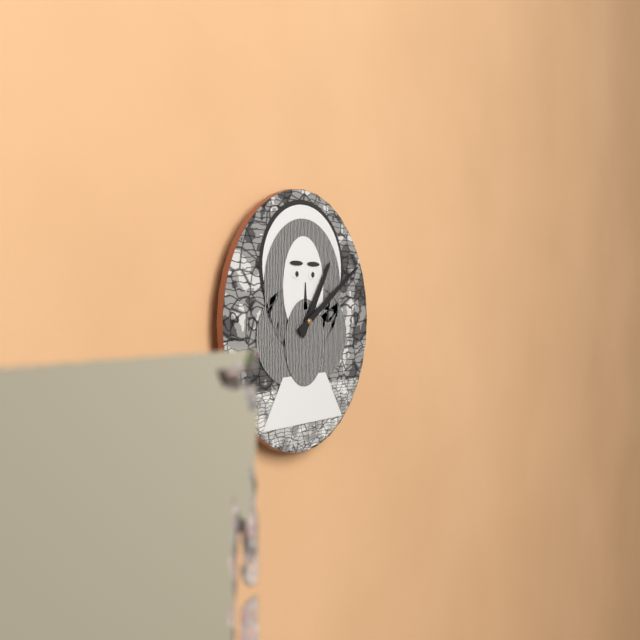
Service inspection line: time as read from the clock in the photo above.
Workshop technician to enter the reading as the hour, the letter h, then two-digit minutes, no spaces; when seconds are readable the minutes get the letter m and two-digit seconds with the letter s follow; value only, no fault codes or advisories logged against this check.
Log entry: 1h10
